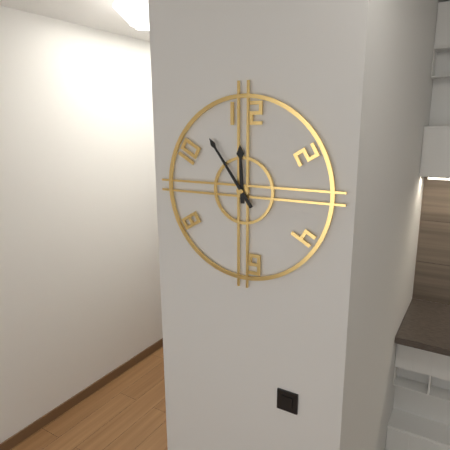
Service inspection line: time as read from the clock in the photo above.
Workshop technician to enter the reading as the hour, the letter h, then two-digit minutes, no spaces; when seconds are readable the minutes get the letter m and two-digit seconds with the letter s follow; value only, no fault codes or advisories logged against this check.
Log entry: 11h54
